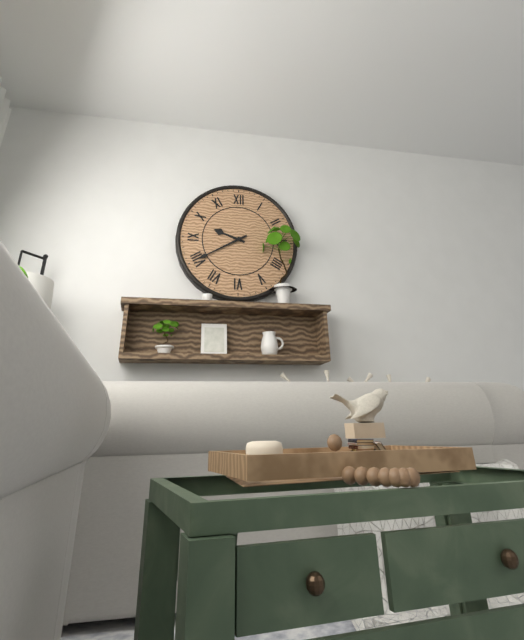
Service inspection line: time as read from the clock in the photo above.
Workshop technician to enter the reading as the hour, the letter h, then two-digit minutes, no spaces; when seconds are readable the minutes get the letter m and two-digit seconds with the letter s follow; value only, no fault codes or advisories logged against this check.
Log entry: 9h40
